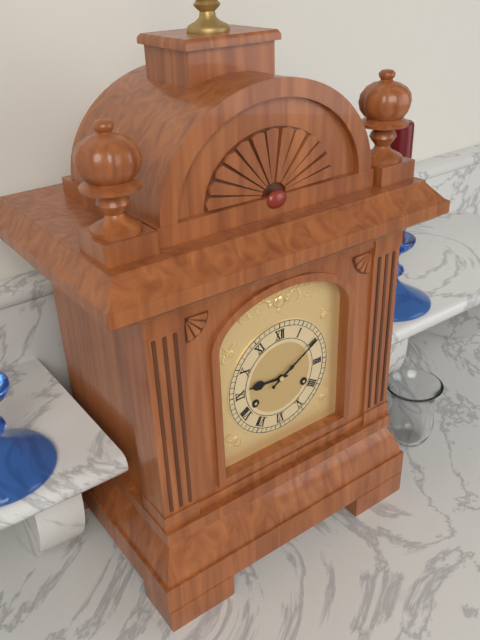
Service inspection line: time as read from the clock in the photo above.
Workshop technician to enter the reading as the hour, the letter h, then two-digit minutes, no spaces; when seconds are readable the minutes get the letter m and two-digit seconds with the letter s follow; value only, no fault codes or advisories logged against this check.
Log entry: 9h10
